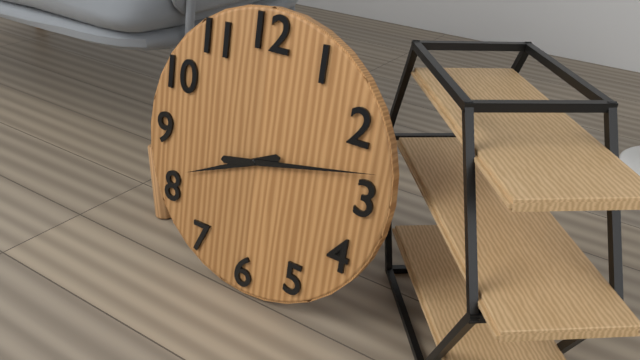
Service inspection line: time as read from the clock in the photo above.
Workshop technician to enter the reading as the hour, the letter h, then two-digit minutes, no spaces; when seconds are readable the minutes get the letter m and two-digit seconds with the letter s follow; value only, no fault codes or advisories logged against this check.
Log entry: 8h13
